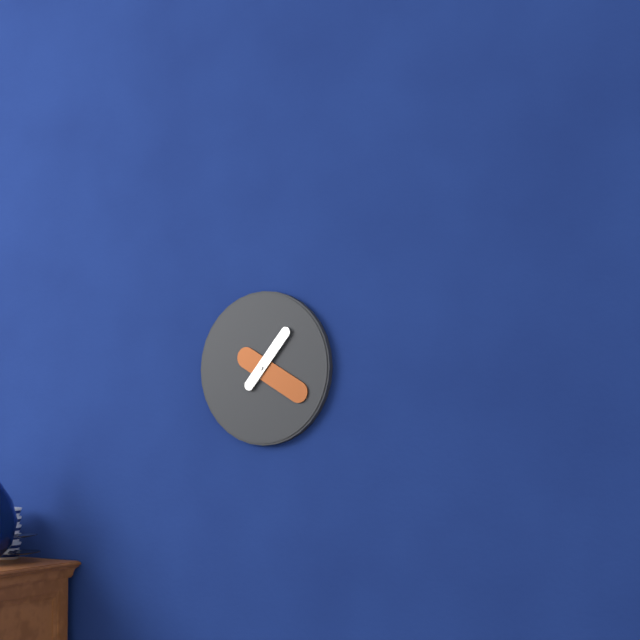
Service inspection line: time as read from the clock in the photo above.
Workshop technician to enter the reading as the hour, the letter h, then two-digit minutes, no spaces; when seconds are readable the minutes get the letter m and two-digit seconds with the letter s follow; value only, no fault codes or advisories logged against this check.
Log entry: 1h20
